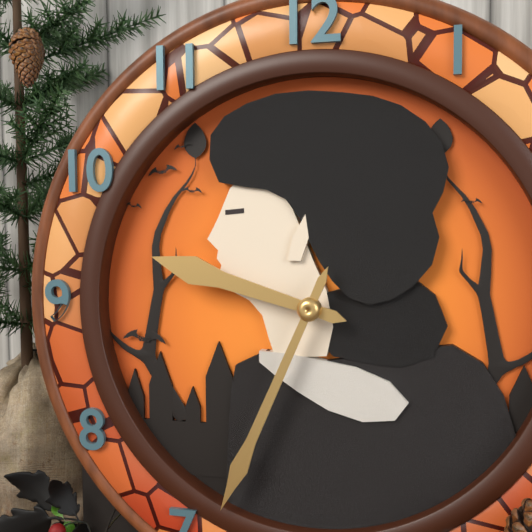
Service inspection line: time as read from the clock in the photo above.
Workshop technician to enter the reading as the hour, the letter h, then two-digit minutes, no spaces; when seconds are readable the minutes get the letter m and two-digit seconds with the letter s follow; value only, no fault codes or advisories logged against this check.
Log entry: 9h34
